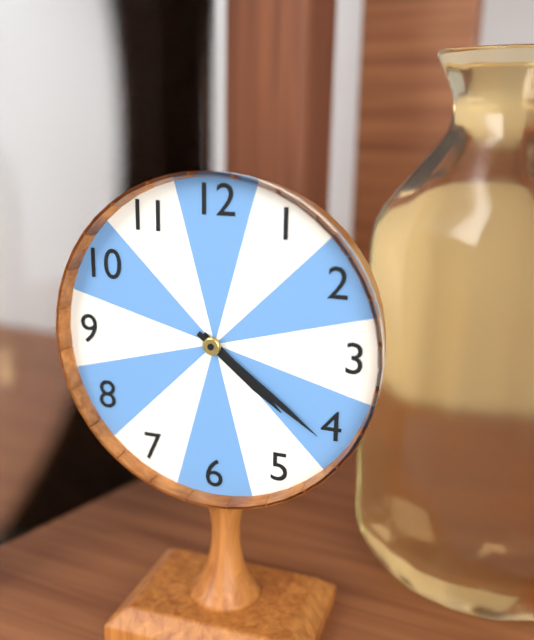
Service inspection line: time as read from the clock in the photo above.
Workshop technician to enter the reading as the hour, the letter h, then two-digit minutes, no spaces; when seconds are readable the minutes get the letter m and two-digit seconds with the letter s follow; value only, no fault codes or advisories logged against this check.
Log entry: 4h21
